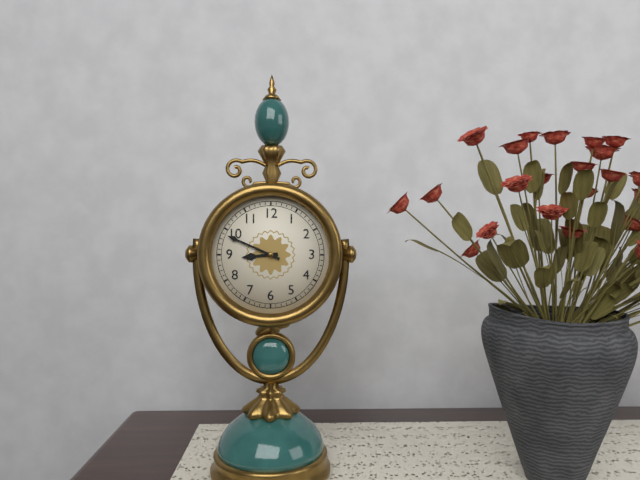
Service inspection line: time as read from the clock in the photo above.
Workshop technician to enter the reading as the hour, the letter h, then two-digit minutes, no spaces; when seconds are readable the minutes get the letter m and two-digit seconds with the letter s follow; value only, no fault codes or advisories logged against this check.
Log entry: 8h49
